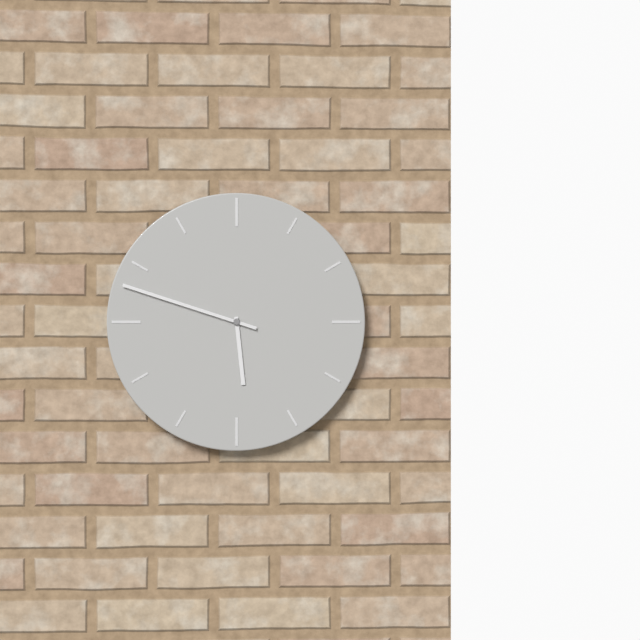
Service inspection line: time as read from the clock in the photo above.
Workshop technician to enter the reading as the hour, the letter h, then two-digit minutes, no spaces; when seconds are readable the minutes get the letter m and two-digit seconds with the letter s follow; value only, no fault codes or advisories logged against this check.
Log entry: 5h48
